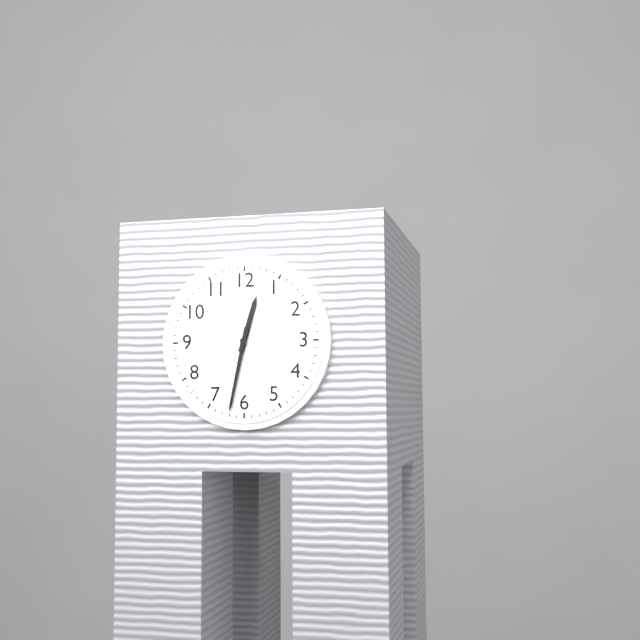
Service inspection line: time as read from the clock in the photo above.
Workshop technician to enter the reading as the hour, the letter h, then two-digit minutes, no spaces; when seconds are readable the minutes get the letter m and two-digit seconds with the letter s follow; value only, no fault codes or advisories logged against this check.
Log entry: 12h32
